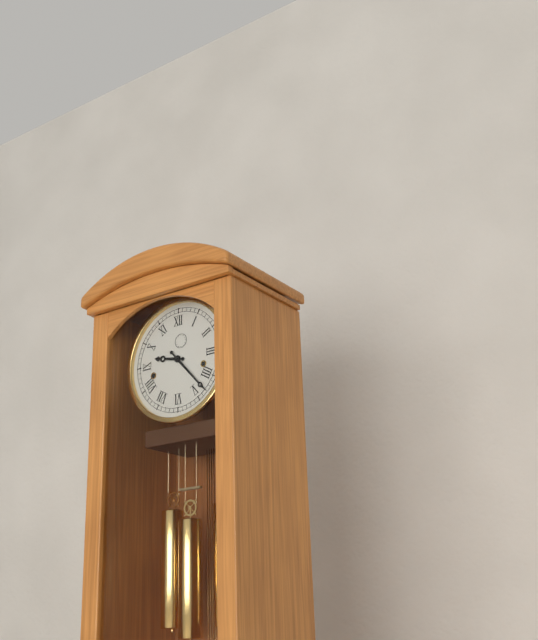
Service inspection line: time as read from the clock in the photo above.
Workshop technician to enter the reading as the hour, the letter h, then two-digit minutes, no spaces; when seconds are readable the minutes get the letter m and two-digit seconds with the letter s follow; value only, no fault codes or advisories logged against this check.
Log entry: 9h23
